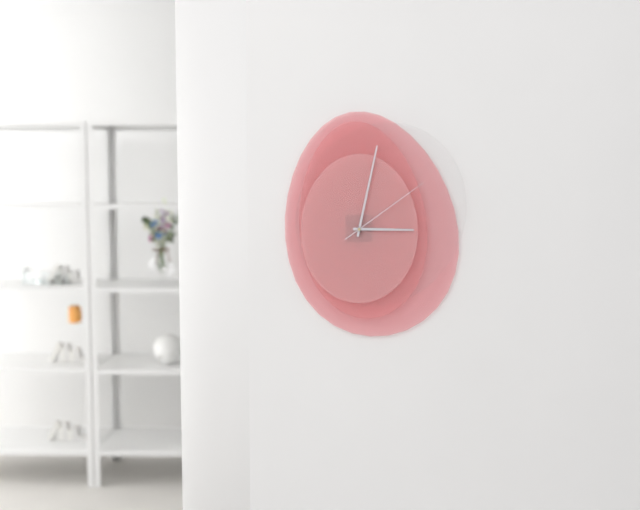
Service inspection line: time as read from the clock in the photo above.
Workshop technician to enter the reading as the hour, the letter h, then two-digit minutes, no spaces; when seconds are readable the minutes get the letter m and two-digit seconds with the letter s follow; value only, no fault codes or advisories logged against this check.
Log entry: 3h02m09s
